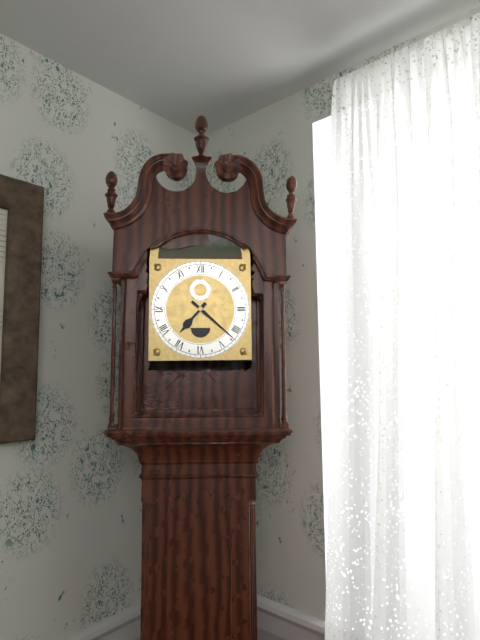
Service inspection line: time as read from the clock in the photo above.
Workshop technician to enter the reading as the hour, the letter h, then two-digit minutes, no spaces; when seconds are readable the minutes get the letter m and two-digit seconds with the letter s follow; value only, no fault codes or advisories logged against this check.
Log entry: 7h22
